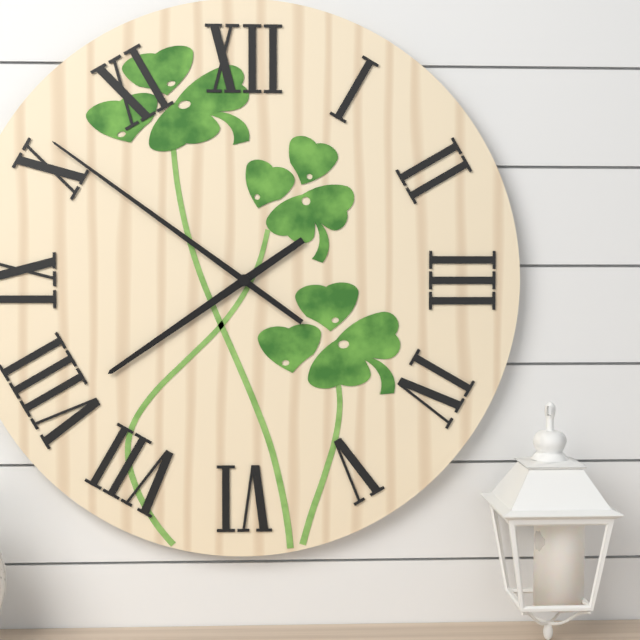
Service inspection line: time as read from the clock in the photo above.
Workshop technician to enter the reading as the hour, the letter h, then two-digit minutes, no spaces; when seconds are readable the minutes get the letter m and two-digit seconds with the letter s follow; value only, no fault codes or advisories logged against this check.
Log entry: 7h51
